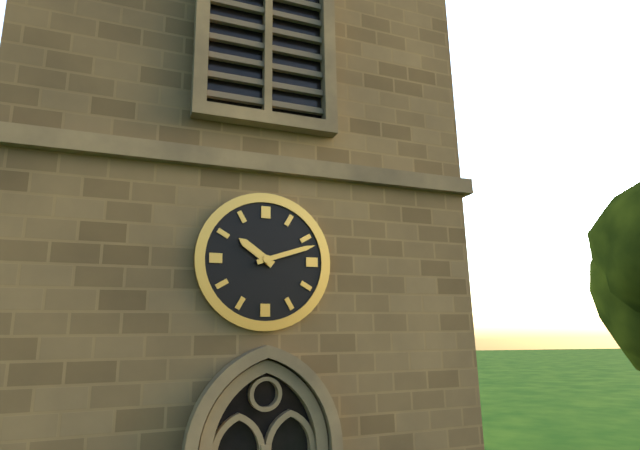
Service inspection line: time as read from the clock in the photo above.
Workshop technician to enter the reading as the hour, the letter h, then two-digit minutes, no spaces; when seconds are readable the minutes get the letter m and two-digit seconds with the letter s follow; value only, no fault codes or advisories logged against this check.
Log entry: 10h12
